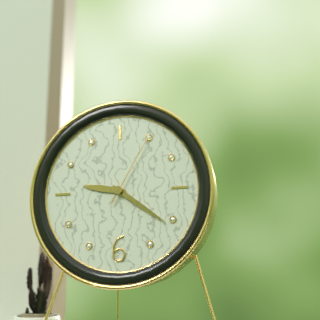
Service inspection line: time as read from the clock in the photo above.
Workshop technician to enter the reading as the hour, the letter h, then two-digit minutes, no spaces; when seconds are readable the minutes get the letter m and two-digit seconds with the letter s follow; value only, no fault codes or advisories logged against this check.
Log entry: 9h21m05s
